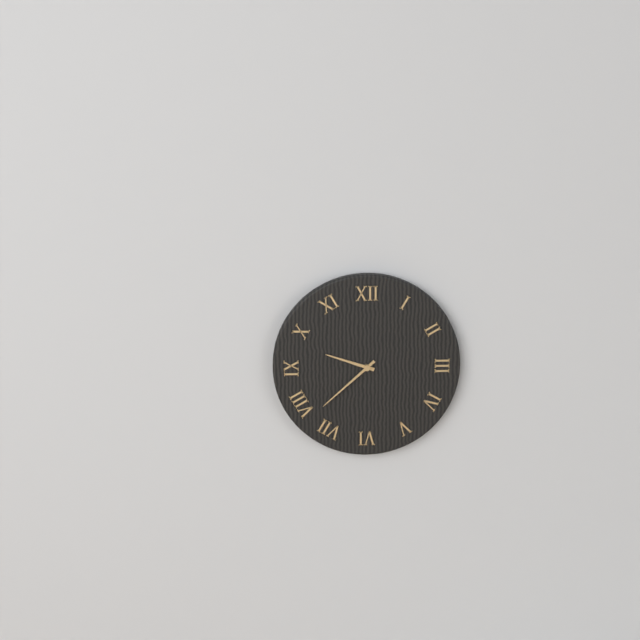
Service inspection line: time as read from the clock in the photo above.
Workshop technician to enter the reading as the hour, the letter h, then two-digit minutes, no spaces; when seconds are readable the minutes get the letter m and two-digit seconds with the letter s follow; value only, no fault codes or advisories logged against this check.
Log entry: 9h38
